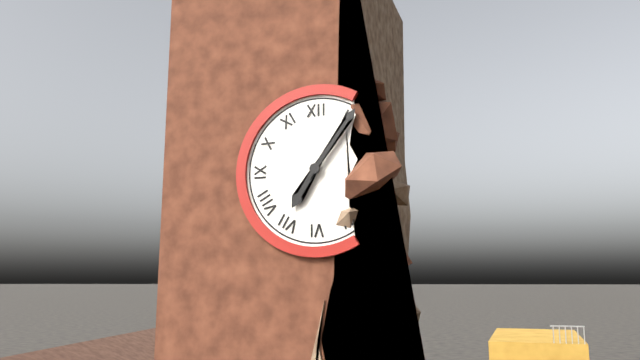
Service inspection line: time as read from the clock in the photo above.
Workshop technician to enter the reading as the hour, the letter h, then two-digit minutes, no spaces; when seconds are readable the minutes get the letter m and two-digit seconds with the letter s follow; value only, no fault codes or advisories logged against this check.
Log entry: 7h06
